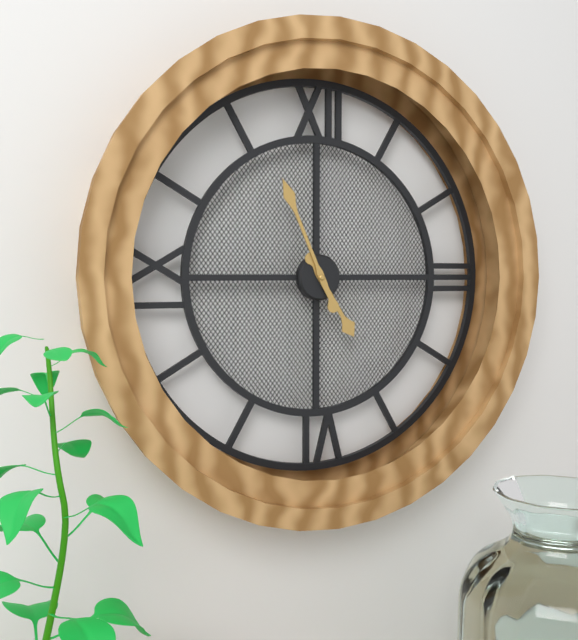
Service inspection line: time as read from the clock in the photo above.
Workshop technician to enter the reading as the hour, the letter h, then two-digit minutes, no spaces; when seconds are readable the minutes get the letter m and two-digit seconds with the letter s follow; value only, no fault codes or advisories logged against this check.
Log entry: 4h56
